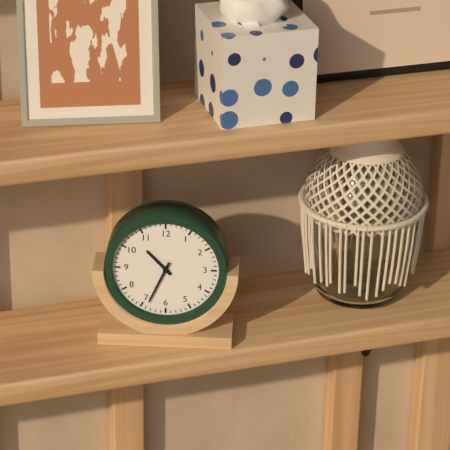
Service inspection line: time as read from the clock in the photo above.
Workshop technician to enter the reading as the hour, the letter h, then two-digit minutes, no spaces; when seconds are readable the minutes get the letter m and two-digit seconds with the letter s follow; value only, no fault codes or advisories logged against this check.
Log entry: 10h34
